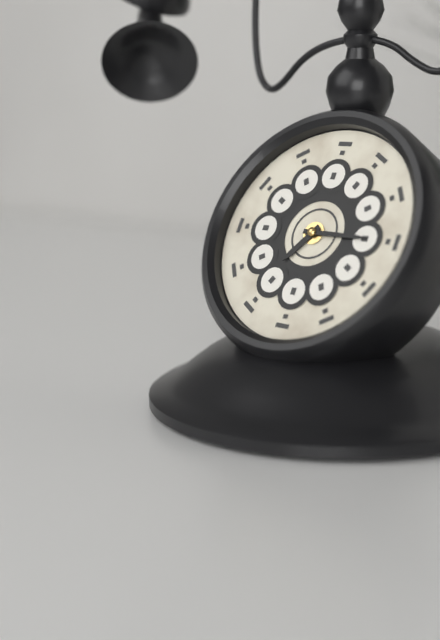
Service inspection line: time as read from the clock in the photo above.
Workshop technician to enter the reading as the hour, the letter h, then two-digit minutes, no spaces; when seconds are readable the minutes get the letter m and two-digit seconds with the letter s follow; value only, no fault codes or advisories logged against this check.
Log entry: 7h15
